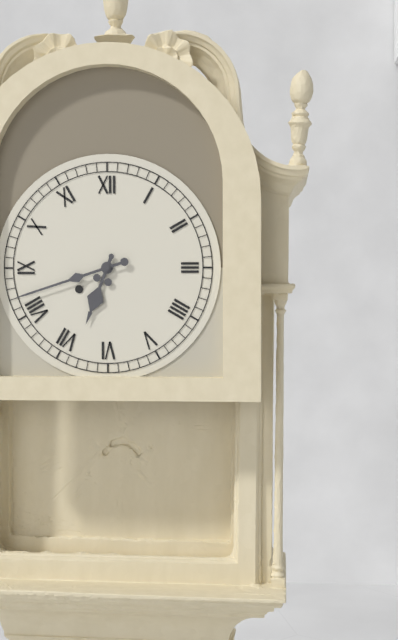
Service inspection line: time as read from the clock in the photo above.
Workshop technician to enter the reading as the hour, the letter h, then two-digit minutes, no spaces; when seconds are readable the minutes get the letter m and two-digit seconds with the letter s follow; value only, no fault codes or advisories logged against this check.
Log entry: 6h42
